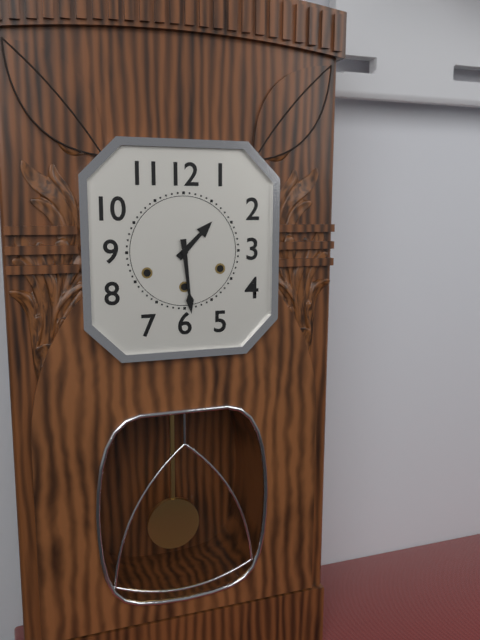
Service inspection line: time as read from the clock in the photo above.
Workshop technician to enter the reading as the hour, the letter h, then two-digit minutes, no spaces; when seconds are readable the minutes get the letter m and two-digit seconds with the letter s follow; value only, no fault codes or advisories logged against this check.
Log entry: 1h29
